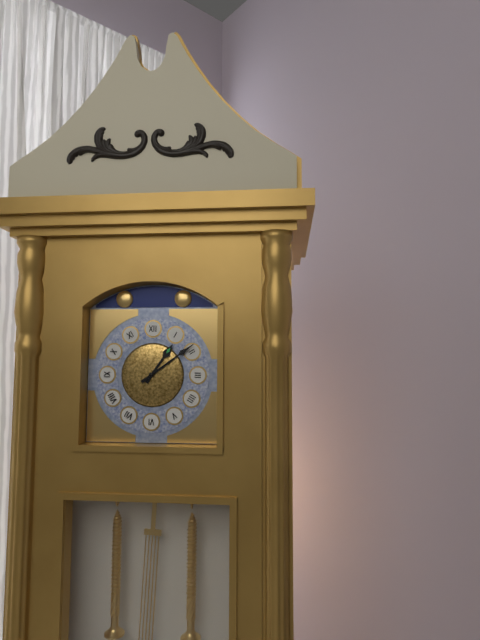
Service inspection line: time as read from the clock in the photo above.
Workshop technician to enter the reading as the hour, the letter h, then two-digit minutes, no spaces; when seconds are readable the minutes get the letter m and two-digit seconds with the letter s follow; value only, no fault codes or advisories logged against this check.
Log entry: 1h09
